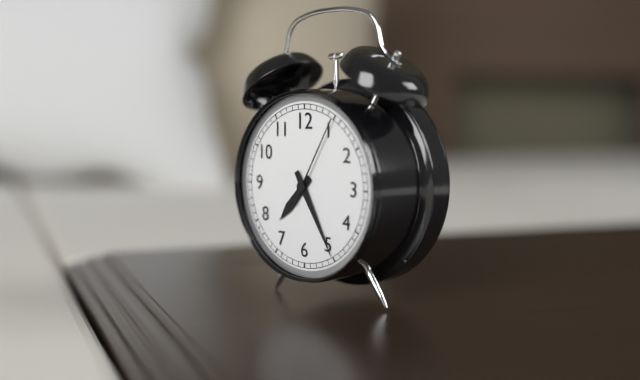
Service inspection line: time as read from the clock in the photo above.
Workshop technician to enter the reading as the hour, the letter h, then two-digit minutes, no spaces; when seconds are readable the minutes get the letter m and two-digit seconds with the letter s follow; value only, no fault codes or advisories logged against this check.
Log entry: 7h25m05s
